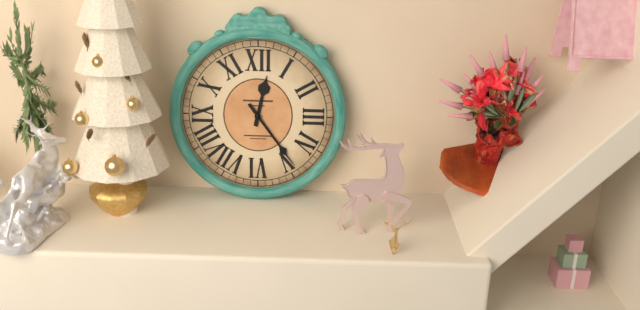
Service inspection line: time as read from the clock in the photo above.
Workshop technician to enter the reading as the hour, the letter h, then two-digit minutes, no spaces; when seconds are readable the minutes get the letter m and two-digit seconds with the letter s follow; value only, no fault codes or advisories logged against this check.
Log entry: 12h24
